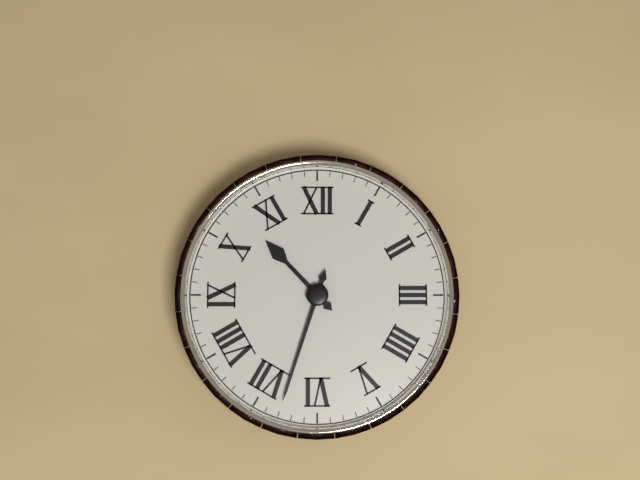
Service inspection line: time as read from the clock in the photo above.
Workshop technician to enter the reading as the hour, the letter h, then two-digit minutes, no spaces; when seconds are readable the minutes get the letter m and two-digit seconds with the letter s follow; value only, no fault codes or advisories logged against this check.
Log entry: 10h33
